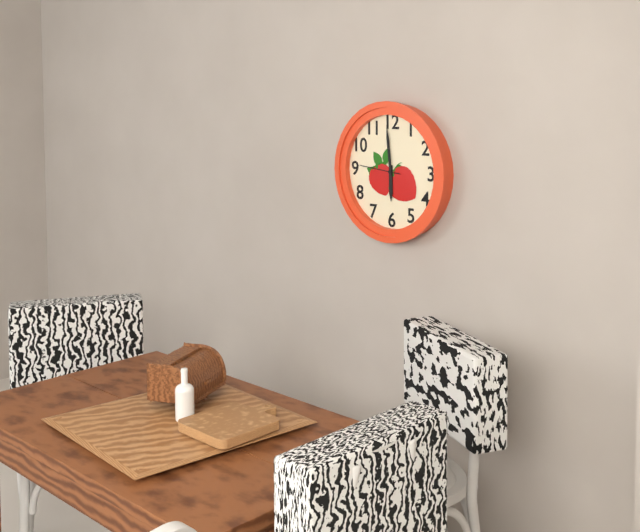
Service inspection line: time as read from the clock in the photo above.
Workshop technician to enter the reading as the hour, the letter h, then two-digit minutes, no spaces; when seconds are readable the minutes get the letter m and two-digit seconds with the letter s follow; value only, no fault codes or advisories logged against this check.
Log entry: 5h59
